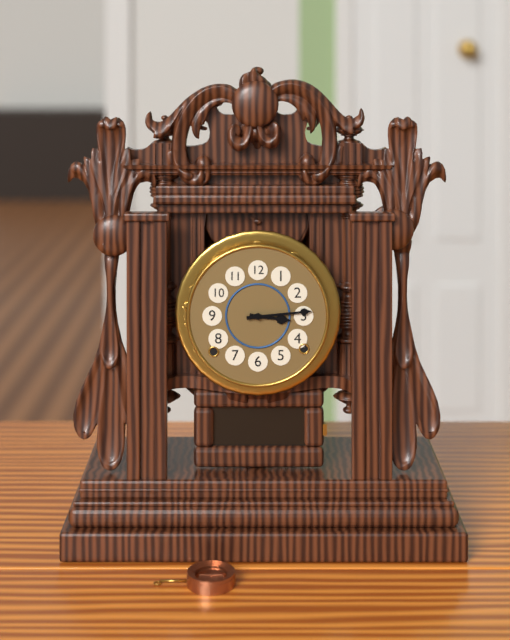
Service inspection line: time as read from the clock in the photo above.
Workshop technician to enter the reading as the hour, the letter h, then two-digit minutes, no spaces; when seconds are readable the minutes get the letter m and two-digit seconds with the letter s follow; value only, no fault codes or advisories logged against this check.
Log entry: 3h14
